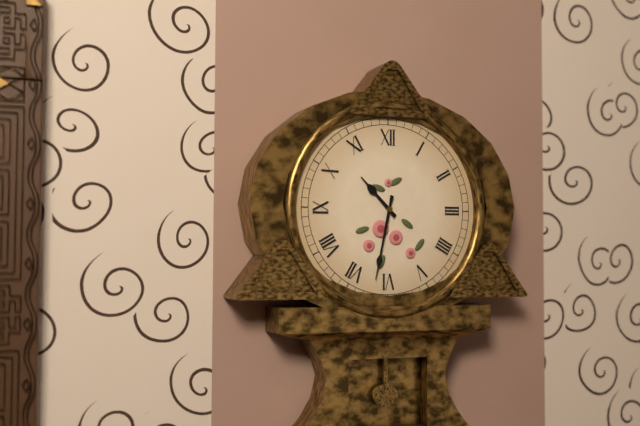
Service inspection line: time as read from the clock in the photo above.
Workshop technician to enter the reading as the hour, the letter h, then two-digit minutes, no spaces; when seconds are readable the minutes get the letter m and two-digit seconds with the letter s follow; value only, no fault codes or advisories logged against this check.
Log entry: 10h32
